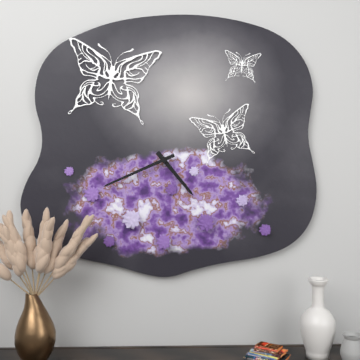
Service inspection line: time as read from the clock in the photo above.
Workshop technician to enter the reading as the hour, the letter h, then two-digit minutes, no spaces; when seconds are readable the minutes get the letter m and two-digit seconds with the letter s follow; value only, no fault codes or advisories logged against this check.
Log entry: 4h41
